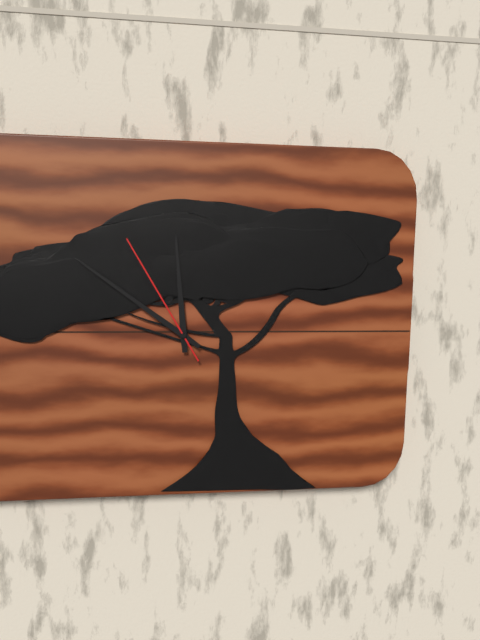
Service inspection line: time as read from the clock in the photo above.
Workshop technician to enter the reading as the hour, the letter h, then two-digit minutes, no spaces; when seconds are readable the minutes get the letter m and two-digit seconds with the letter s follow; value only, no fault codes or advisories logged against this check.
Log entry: 11h51m55s
